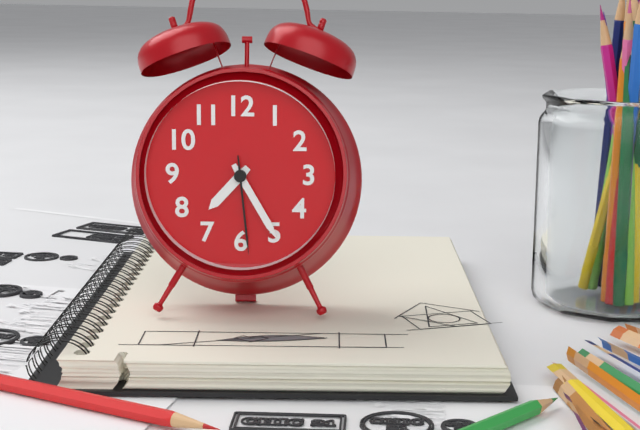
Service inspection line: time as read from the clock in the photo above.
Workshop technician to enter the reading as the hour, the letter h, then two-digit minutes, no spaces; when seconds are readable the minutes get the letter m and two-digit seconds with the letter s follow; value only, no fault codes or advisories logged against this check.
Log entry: 7h25m29s
